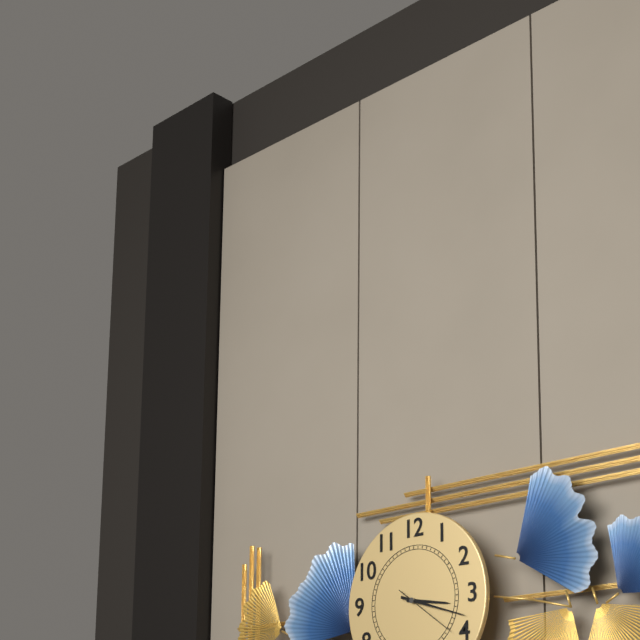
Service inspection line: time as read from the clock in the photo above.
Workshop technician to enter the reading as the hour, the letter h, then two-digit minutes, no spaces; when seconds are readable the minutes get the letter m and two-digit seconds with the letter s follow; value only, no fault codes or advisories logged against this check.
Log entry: 3h18m21s
